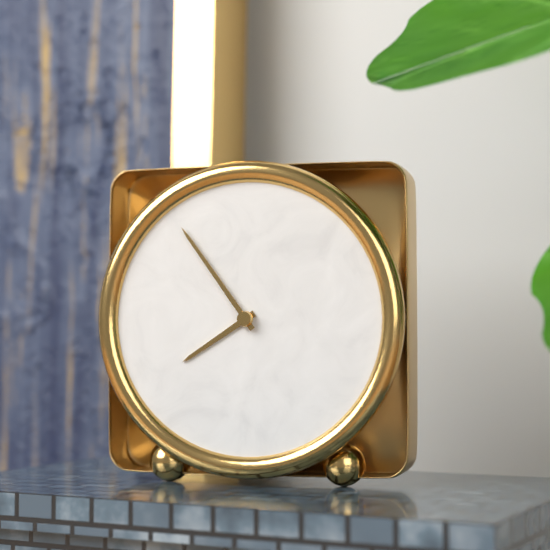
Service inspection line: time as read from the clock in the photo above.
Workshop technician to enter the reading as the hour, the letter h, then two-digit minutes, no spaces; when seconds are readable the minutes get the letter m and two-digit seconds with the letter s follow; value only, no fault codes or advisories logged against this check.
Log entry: 7h54
